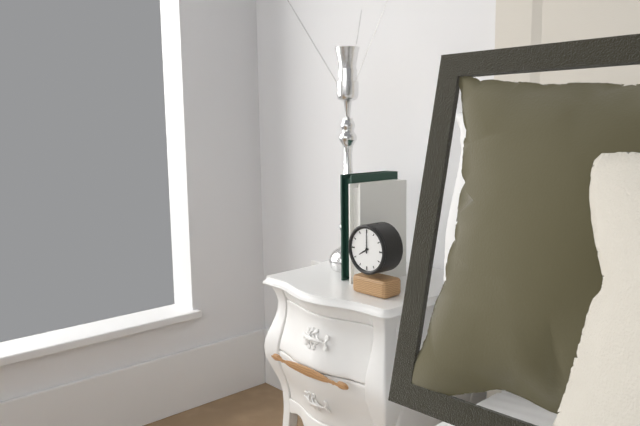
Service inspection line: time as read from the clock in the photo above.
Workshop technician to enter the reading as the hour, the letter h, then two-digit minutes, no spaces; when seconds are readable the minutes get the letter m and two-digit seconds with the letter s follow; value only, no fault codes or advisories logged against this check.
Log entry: 8h00
